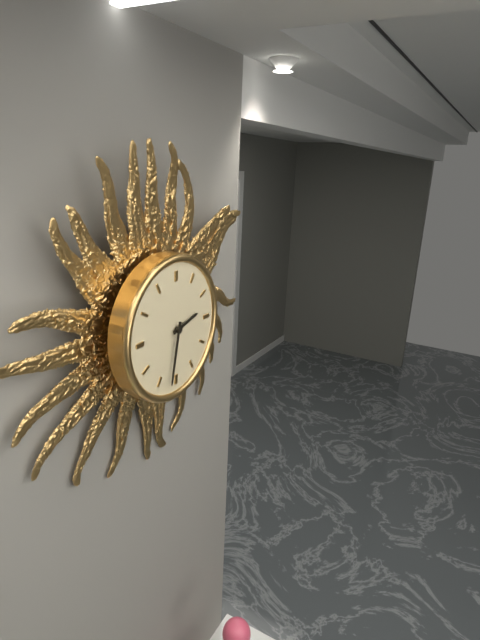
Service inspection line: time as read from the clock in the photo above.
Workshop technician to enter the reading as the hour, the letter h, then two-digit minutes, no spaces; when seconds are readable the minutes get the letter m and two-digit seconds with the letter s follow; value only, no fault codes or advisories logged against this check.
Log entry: 2h32
